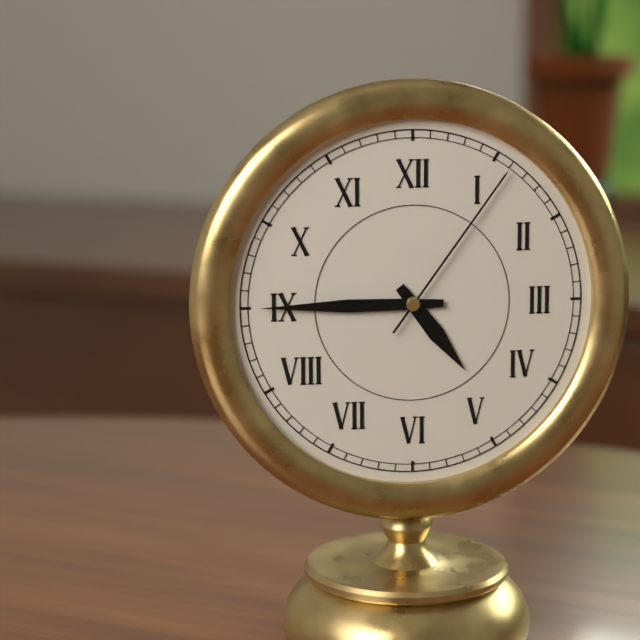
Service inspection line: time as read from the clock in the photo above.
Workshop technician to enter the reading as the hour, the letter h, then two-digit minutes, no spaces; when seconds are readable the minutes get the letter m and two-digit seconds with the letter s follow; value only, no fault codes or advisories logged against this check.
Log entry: 4h45m06s
